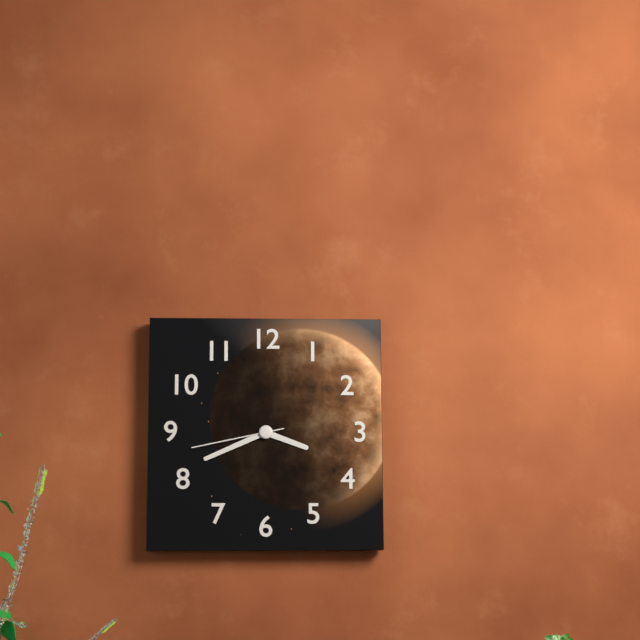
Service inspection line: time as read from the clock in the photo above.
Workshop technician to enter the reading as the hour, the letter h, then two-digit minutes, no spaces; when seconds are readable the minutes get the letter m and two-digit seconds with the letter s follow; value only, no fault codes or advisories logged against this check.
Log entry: 3h41m43s
